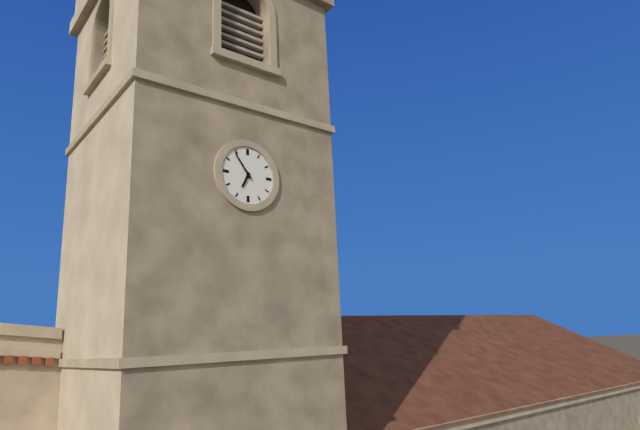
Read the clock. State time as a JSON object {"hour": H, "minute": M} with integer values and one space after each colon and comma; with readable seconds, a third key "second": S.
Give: {"hour": 6, "minute": 54}
